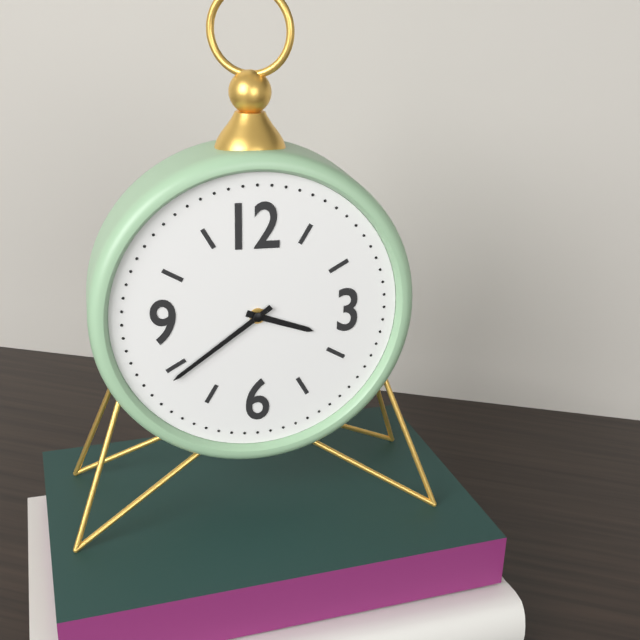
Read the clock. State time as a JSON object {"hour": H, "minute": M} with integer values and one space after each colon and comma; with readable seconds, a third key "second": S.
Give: {"hour": 3, "minute": 39}
